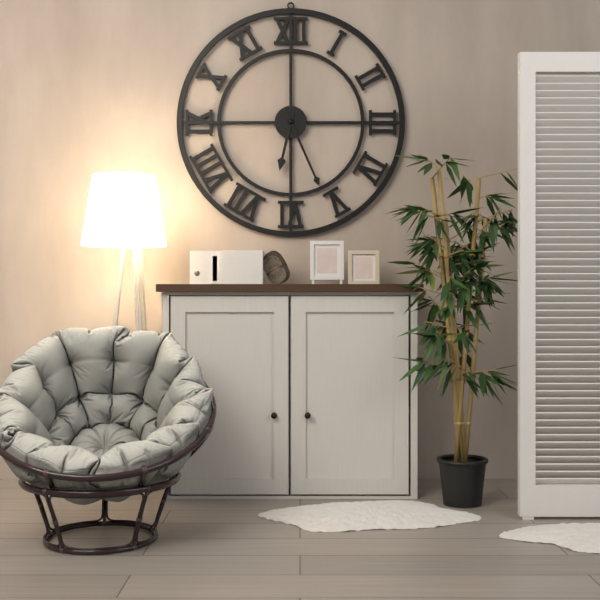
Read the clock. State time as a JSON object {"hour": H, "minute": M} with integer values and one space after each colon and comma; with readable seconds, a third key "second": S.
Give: {"hour": 6, "minute": 26}
